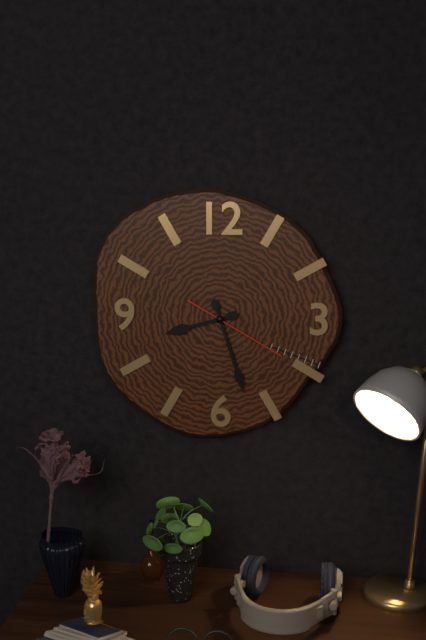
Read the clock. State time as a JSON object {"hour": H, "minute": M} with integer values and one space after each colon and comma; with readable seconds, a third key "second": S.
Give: {"hour": 8, "minute": 27, "second": 20}
